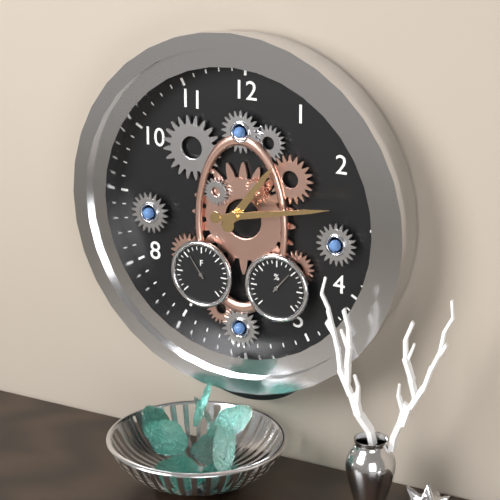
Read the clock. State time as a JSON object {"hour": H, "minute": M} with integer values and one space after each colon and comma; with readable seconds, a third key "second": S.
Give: {"hour": 1, "minute": 13}
